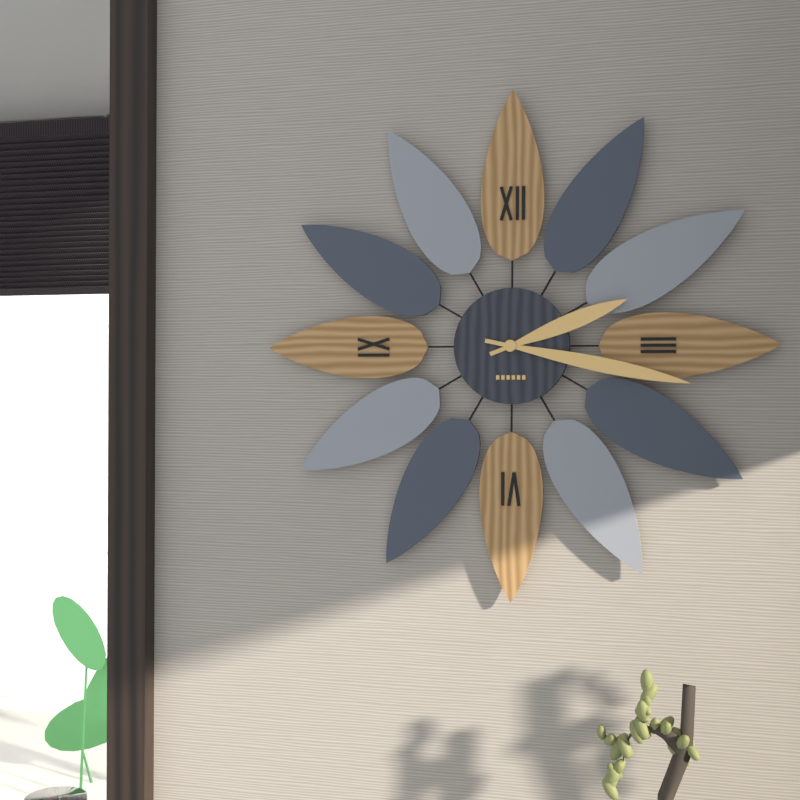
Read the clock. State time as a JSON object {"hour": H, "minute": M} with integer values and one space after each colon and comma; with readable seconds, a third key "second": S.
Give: {"hour": 2, "minute": 17}
